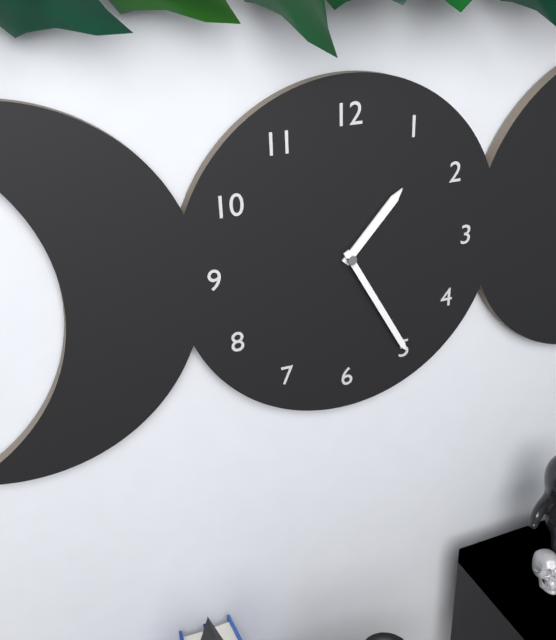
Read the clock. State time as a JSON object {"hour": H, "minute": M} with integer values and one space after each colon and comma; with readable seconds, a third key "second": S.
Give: {"hour": 1, "minute": 25}
